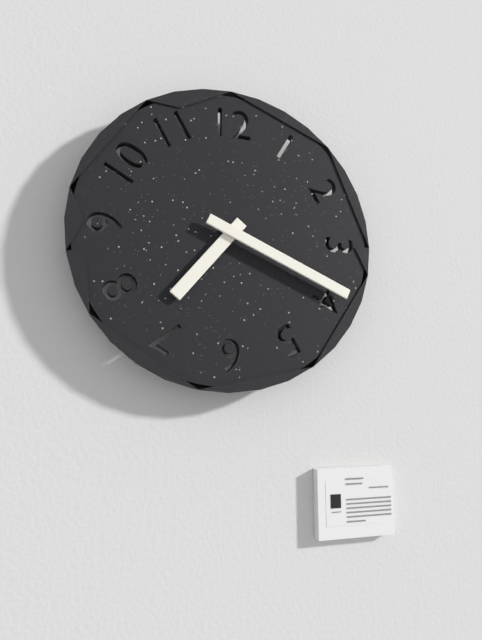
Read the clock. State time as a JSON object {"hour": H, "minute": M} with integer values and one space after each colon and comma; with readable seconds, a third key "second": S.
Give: {"hour": 7, "minute": 19}
